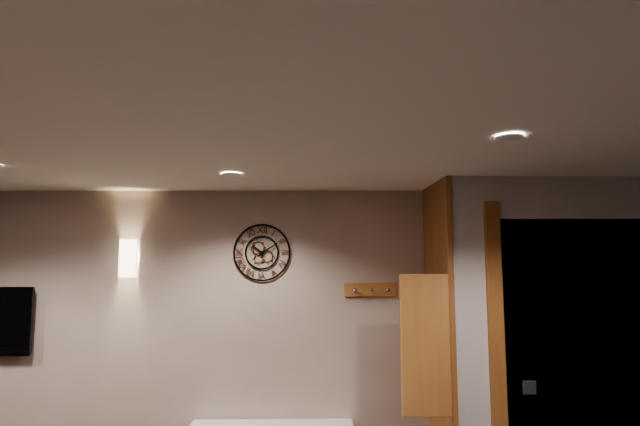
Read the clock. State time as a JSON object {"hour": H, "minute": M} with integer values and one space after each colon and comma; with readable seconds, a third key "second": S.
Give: {"hour": 10, "minute": 10}
